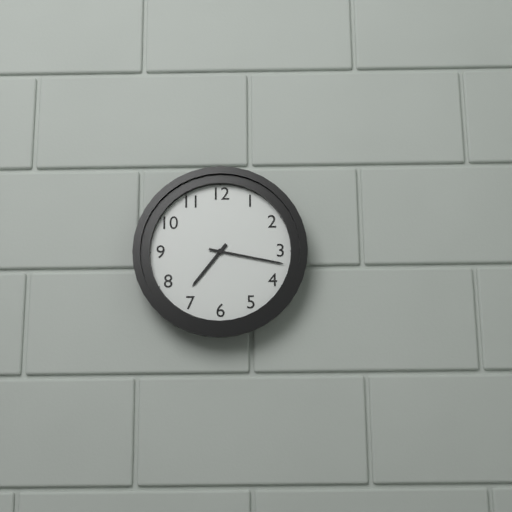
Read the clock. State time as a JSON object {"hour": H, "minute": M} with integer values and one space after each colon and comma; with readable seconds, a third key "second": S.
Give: {"hour": 7, "minute": 17}
